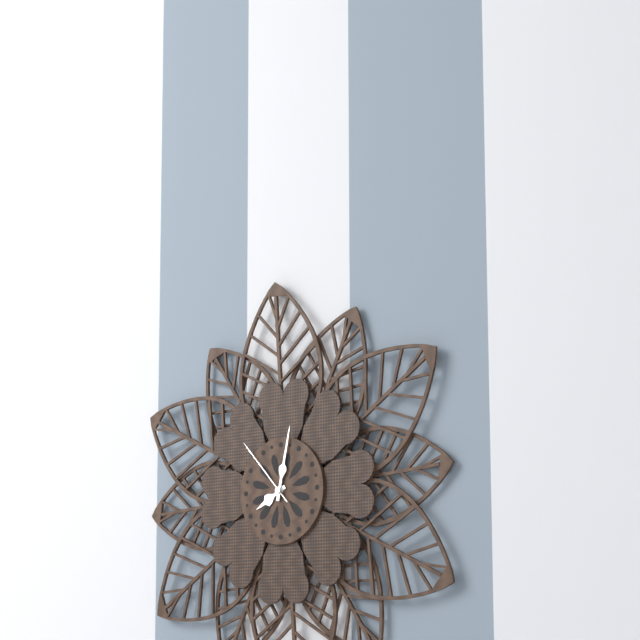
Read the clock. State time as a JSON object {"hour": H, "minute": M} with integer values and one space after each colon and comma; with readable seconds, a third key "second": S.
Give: {"hour": 8, "minute": 2, "second": 53}
